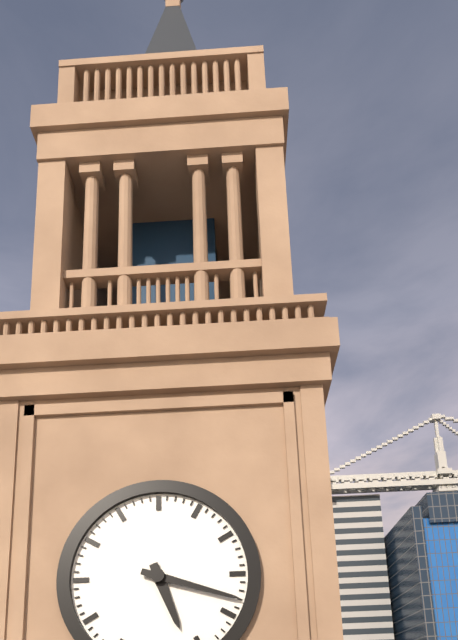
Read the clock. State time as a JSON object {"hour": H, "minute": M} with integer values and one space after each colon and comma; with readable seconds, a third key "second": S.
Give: {"hour": 5, "minute": 18}
